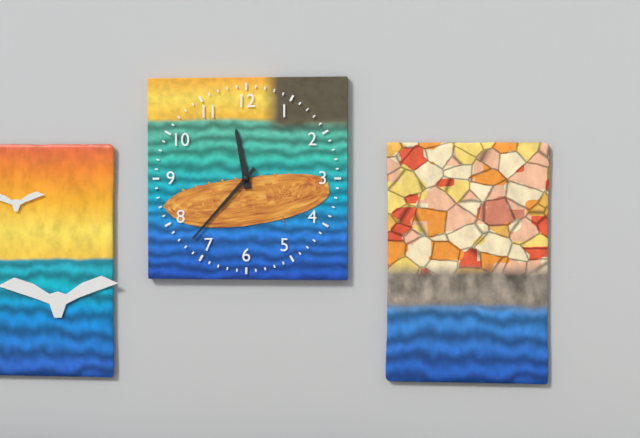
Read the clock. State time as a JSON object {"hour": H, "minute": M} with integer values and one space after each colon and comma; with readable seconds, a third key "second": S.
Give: {"hour": 11, "minute": 37}
